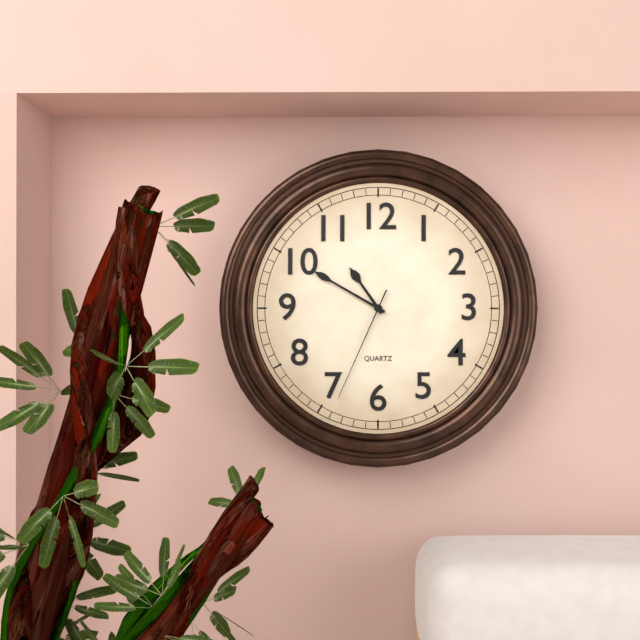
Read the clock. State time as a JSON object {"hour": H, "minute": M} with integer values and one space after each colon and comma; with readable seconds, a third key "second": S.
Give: {"hour": 10, "minute": 50, "second": 34}
